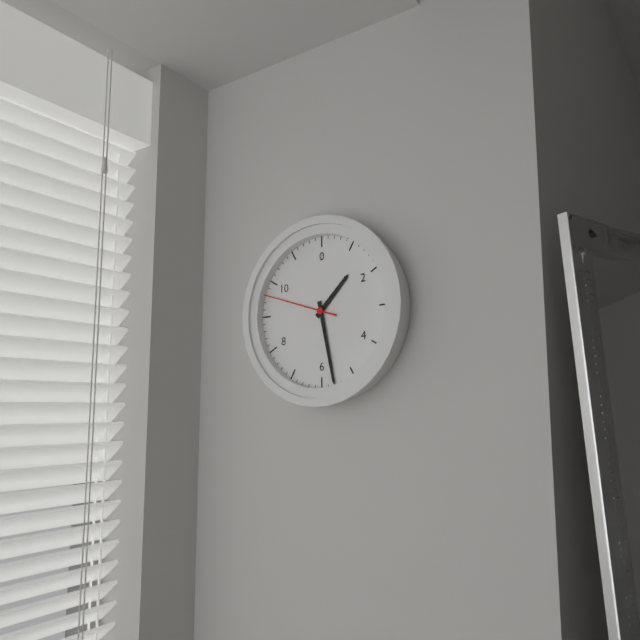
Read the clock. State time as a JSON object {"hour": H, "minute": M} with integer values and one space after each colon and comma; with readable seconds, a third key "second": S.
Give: {"hour": 1, "minute": 28, "second": 48}
